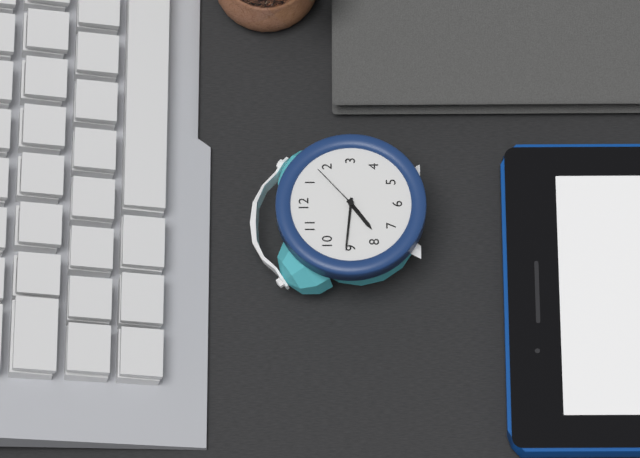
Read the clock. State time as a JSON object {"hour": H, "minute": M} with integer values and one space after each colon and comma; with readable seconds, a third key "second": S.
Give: {"hour": 7, "minute": 46, "second": 8}
